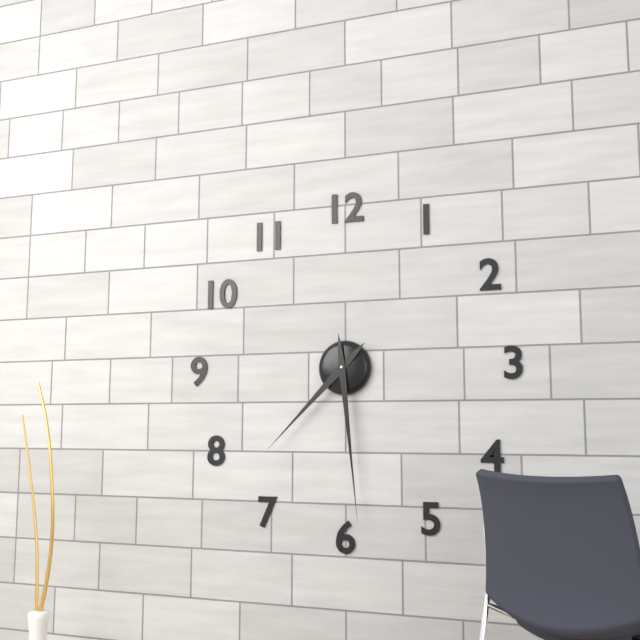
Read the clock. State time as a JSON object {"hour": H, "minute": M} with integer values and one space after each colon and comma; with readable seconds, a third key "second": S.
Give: {"hour": 7, "minute": 29}
